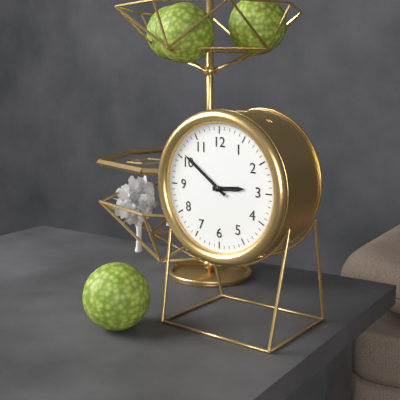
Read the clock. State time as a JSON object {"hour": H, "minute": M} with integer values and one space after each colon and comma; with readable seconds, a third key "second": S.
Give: {"hour": 2, "minute": 51}
